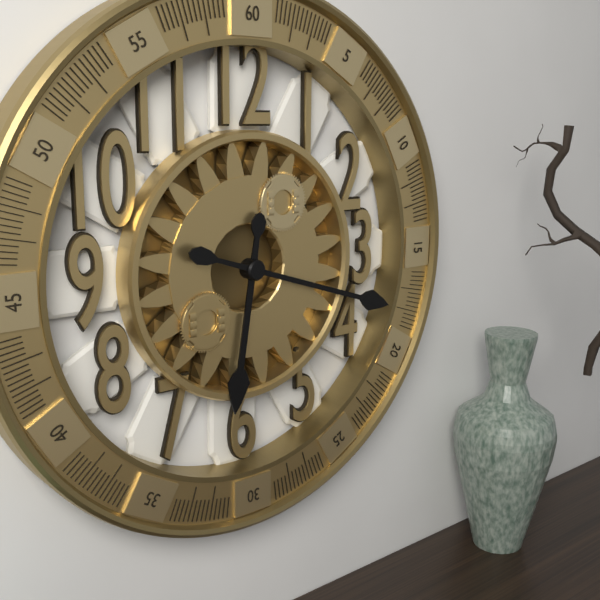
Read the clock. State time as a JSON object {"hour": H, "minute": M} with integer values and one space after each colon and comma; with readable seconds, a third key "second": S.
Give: {"hour": 6, "minute": 18}
